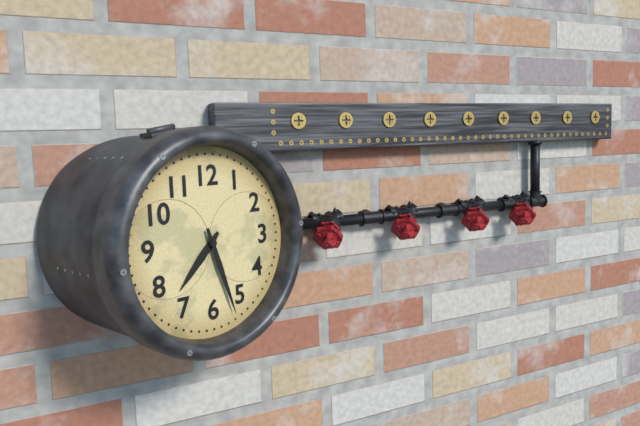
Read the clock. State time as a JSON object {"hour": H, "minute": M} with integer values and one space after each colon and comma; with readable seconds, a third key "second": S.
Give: {"hour": 7, "minute": 27}
